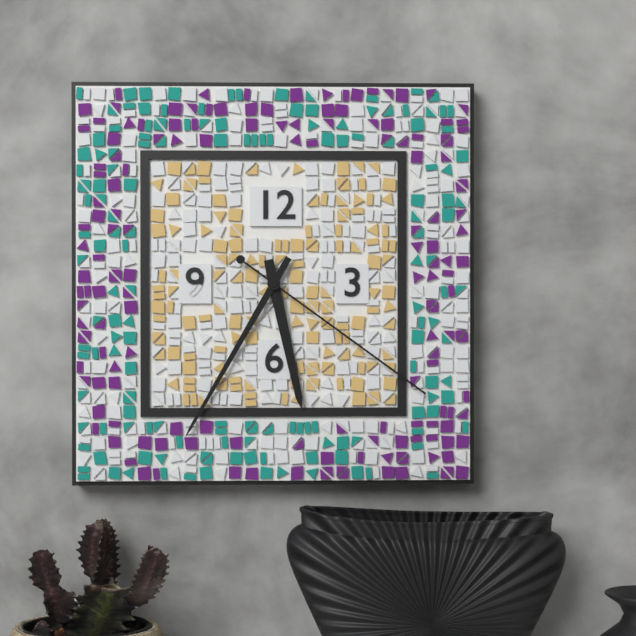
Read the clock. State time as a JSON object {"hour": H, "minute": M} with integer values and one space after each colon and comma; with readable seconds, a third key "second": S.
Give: {"hour": 5, "minute": 35, "second": 21}
